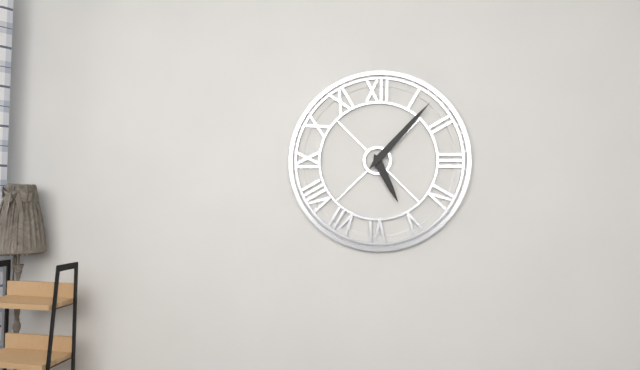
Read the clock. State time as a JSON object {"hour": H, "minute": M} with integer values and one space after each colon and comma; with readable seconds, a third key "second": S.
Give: {"hour": 5, "minute": 7}
